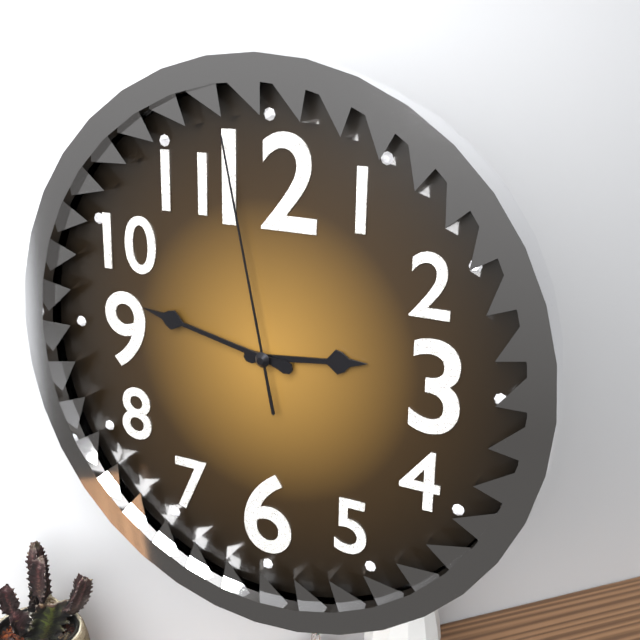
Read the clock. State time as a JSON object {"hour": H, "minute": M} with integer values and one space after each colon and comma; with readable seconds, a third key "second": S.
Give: {"hour": 2, "minute": 47, "second": 58}
